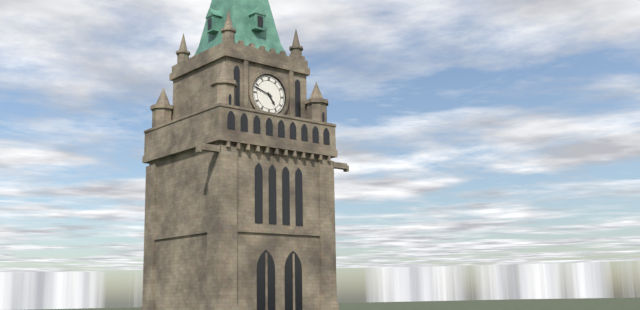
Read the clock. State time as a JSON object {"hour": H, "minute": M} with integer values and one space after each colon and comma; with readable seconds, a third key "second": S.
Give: {"hour": 4, "minute": 48}
